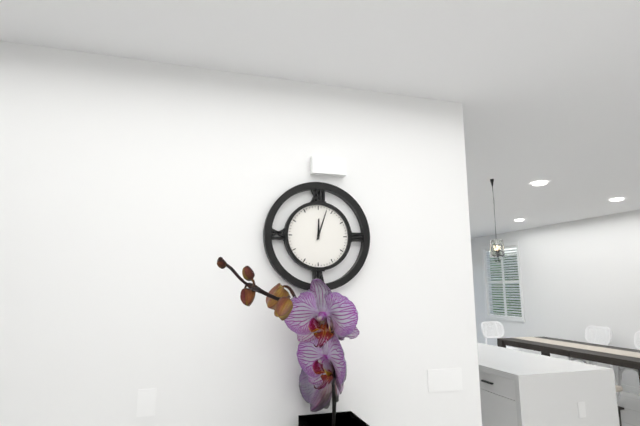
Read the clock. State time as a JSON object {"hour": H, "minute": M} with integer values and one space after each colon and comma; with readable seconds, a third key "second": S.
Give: {"hour": 12, "minute": 3}
